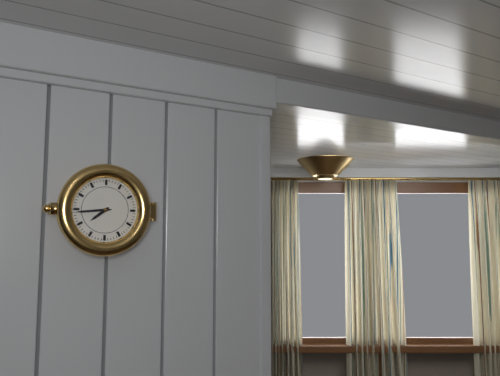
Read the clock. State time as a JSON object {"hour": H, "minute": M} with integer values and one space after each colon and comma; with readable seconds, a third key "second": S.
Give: {"hour": 7, "minute": 44}
